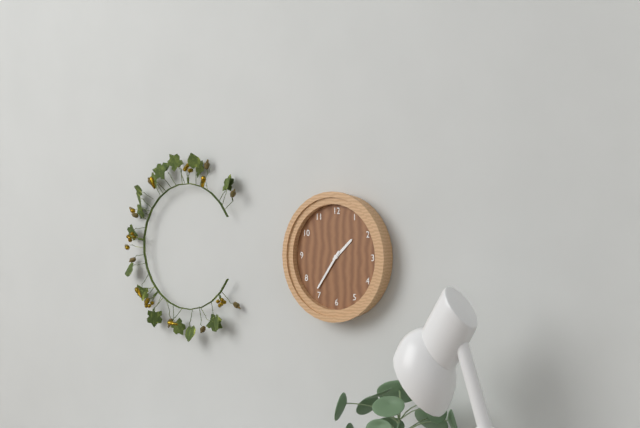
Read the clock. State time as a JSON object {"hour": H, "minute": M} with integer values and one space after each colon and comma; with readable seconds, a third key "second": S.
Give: {"hour": 1, "minute": 36}
